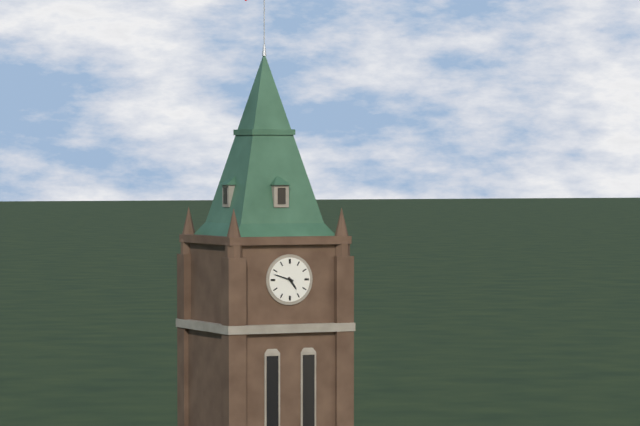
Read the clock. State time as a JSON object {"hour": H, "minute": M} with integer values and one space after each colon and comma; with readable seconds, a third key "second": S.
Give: {"hour": 4, "minute": 48}
